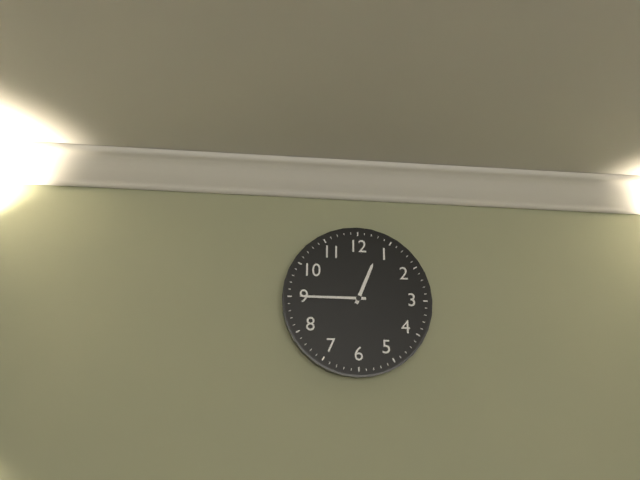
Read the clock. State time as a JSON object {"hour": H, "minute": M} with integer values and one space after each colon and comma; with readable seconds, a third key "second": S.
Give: {"hour": 12, "minute": 45}
